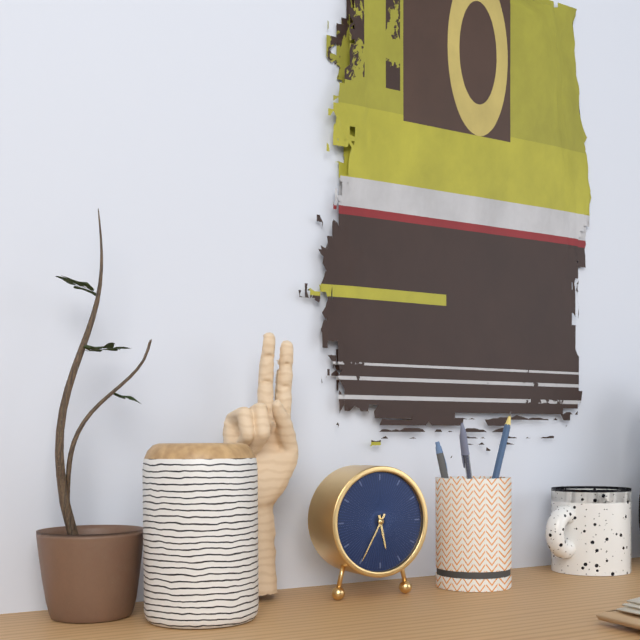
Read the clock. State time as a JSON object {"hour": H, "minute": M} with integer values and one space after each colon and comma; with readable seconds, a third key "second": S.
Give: {"hour": 5, "minute": 35}
